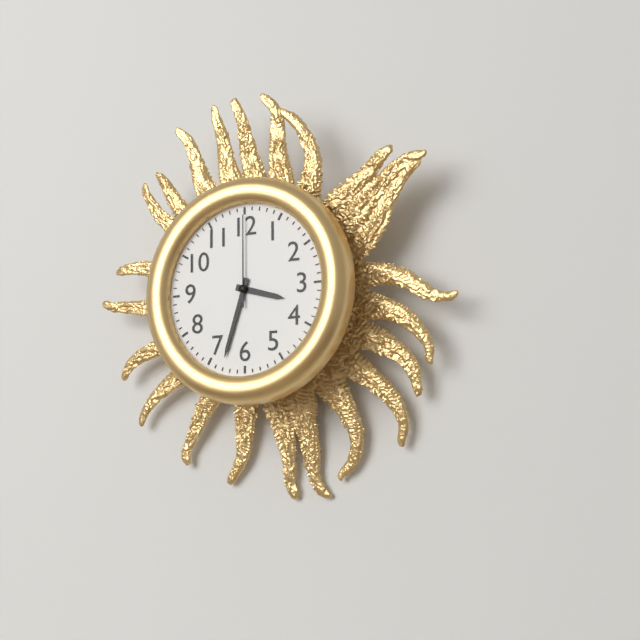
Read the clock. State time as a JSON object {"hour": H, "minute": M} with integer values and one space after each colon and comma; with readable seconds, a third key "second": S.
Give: {"hour": 3, "minute": 33, "second": 0}
